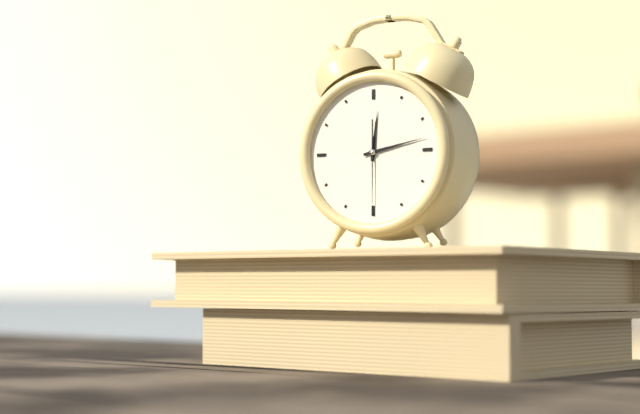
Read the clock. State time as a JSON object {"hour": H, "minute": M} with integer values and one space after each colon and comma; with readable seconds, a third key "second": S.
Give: {"hour": 12, "minute": 13, "second": 30}
